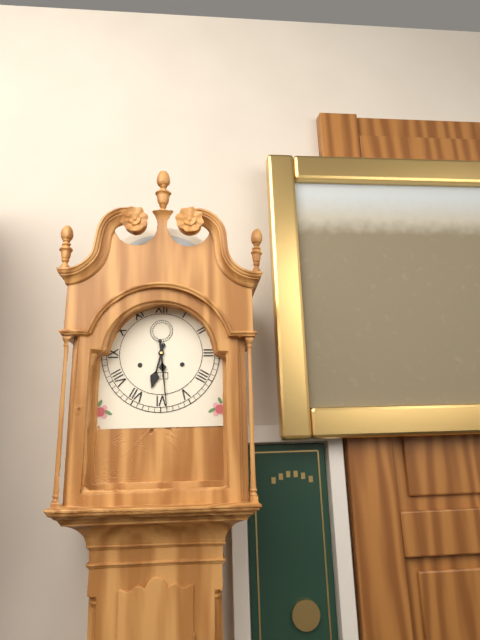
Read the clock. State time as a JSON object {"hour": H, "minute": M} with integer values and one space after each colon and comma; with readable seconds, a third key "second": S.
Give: {"hour": 6, "minute": 29}
